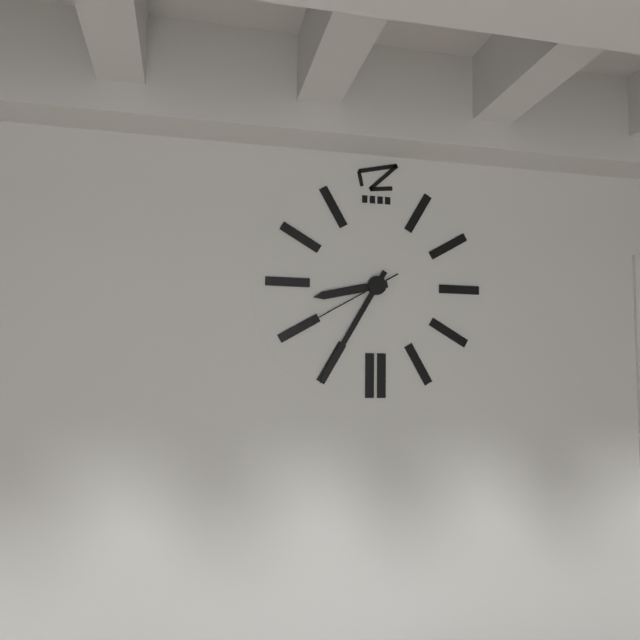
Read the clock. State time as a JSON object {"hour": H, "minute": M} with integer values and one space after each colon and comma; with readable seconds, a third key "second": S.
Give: {"hour": 8, "minute": 35, "second": 40}
